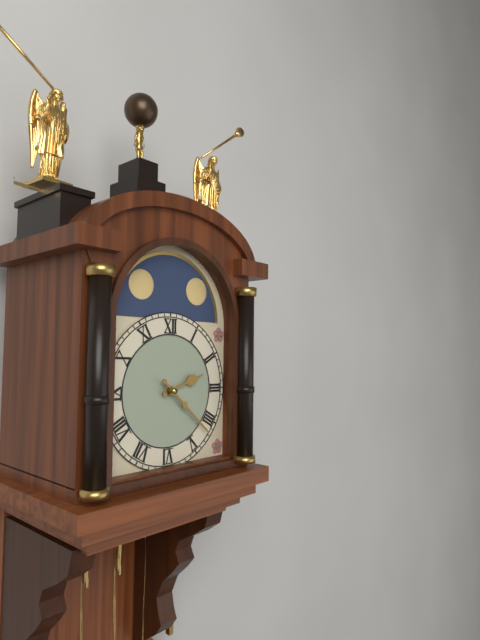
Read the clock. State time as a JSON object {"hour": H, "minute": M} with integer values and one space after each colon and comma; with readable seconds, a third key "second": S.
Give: {"hour": 2, "minute": 22}
